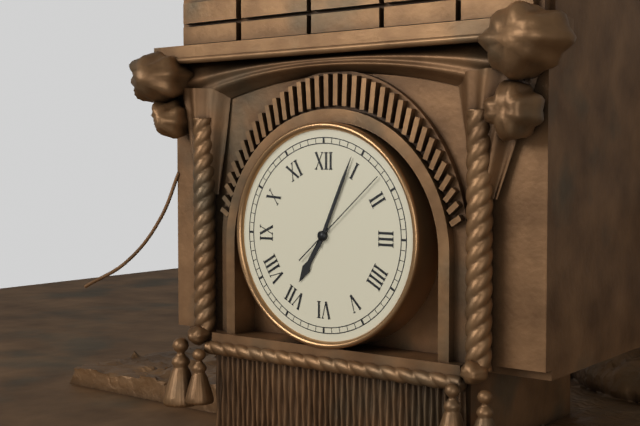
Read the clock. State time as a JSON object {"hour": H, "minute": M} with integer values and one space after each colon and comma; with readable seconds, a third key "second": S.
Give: {"hour": 7, "minute": 4, "second": 8}
